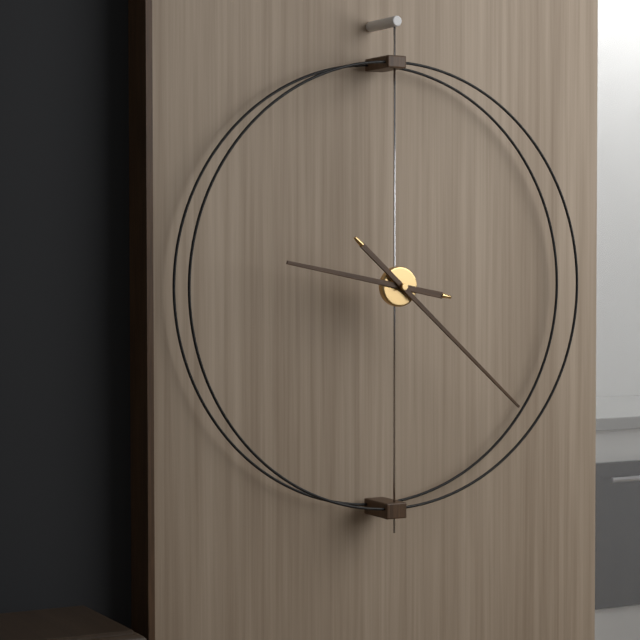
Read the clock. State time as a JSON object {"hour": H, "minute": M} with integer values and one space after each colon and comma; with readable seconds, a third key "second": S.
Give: {"hour": 9, "minute": 22}
